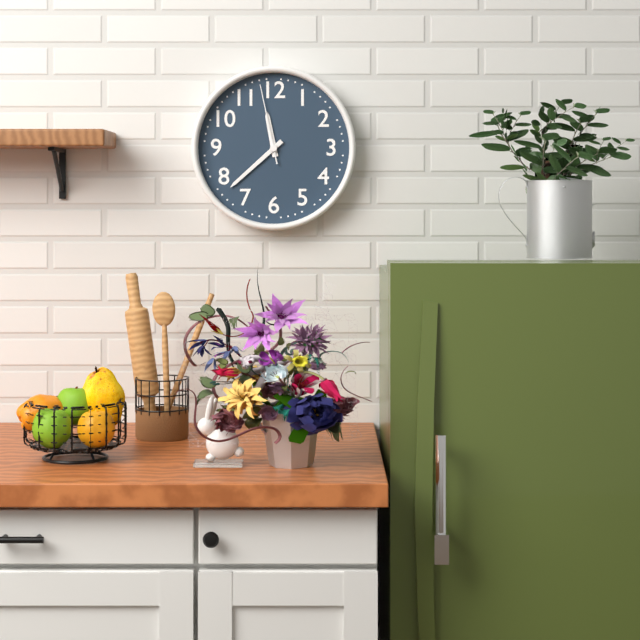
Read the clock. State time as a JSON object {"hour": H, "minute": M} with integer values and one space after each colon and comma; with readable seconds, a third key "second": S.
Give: {"hour": 11, "minute": 38, "second": 58}
